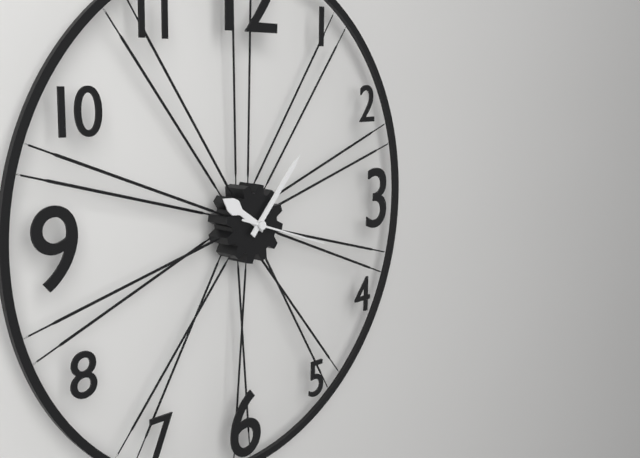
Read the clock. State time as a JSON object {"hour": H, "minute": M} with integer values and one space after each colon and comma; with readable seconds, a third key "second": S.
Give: {"hour": 10, "minute": 7, "second": 18}
